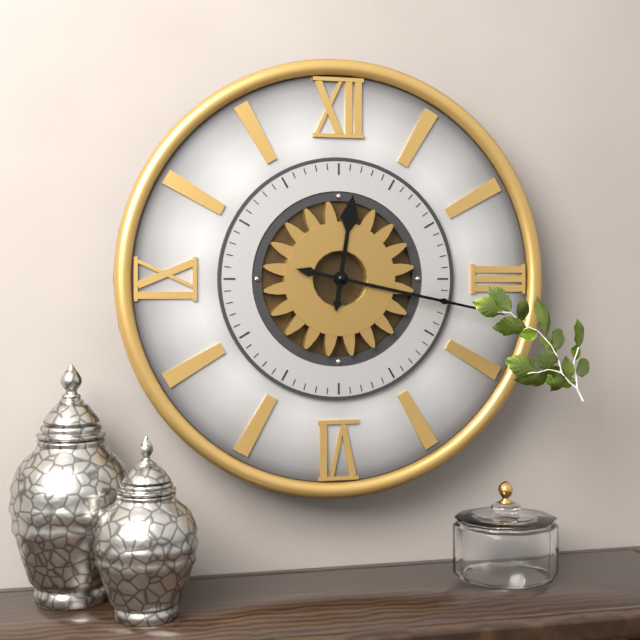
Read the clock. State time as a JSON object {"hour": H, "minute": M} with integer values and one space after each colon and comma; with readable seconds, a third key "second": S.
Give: {"hour": 12, "minute": 17}
